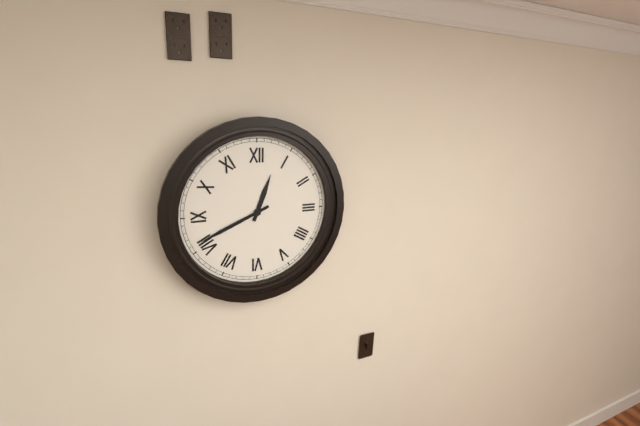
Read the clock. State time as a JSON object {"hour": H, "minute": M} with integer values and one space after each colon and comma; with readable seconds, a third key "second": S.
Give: {"hour": 12, "minute": 41}
